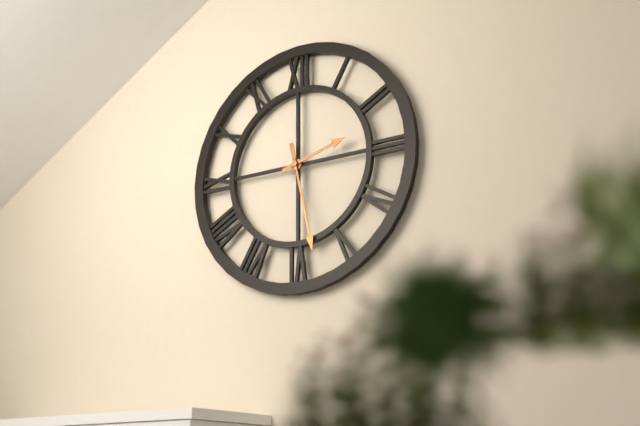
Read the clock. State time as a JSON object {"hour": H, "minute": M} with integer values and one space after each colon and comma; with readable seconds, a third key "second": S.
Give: {"hour": 2, "minute": 28}
